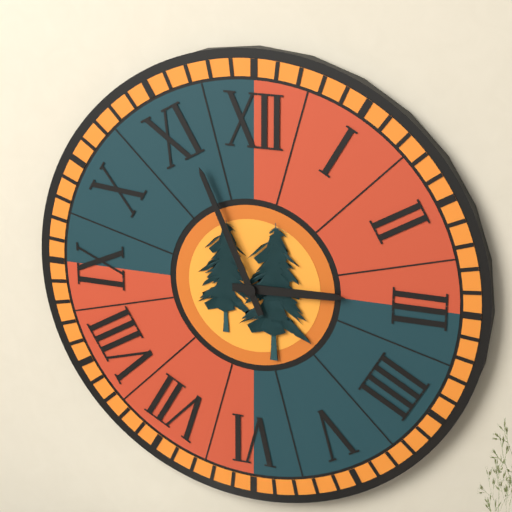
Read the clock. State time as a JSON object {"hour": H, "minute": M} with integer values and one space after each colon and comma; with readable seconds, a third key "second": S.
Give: {"hour": 2, "minute": 56}
